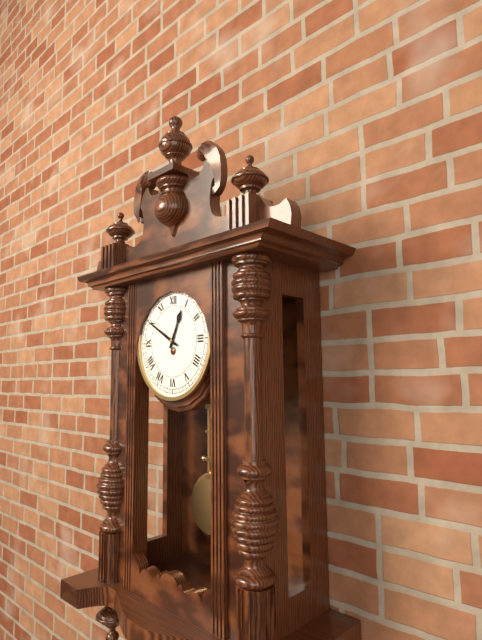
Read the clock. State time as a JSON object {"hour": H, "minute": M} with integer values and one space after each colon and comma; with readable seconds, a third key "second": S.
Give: {"hour": 12, "minute": 50}
